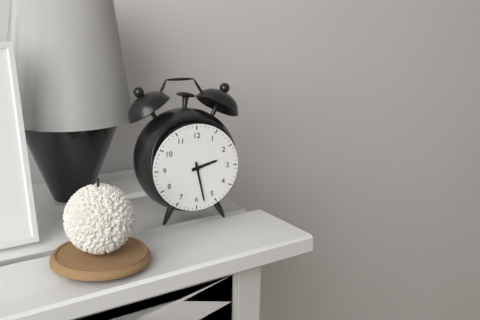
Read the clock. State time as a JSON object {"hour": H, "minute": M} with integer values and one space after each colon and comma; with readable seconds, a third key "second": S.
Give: {"hour": 2, "minute": 28}
